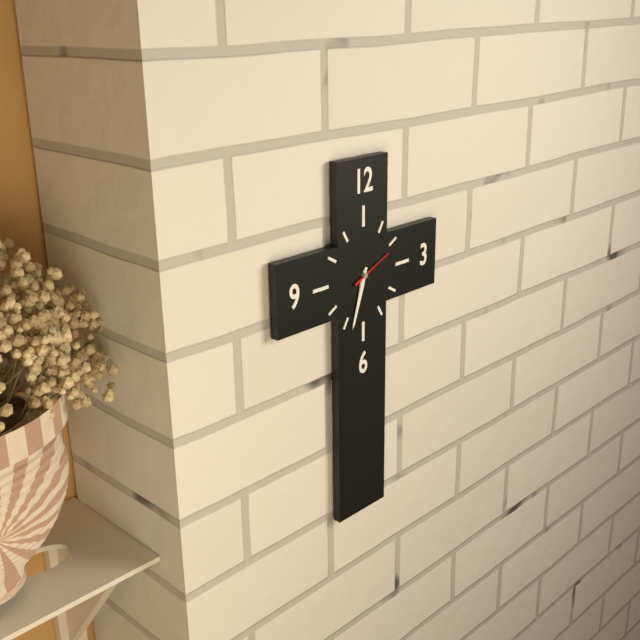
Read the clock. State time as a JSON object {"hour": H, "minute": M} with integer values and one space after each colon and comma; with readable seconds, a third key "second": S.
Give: {"hour": 6, "minute": 33}
